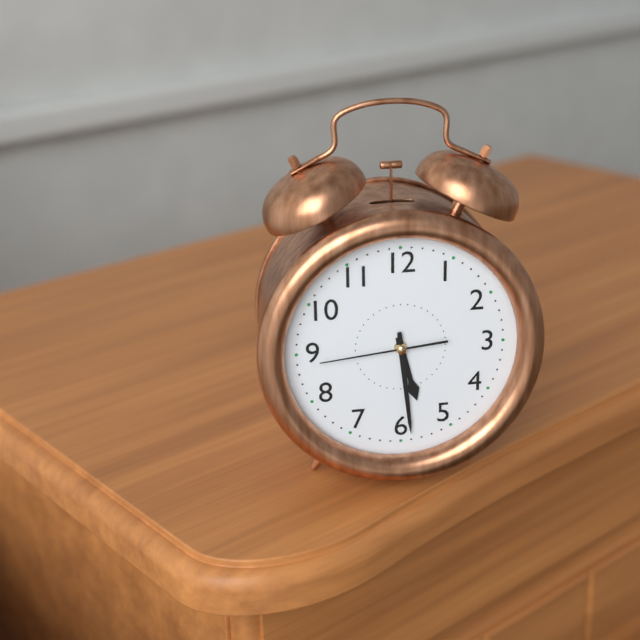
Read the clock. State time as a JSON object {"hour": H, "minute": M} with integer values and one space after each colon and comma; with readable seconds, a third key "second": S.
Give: {"hour": 5, "minute": 29, "second": 44}
